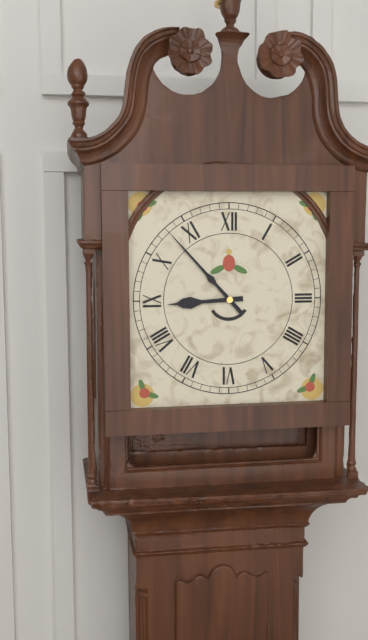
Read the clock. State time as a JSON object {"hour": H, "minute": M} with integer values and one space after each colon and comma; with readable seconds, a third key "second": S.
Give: {"hour": 8, "minute": 53}
